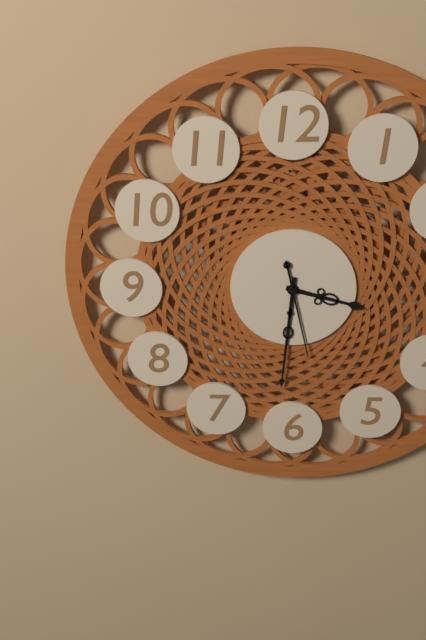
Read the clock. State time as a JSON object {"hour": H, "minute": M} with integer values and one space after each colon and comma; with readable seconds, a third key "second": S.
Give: {"hour": 3, "minute": 31, "second": 28}
